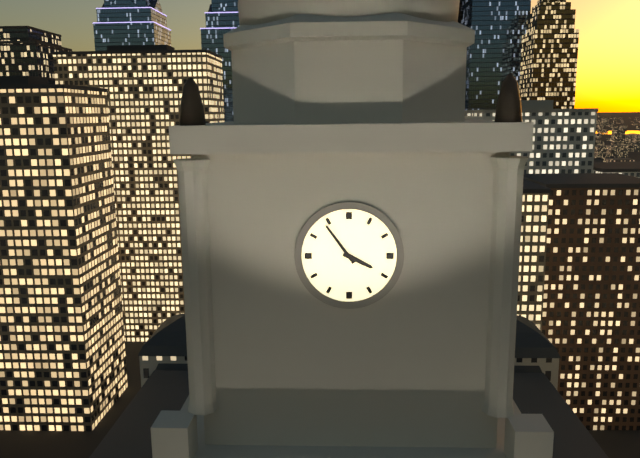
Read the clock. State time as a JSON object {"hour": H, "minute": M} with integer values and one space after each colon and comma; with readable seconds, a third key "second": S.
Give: {"hour": 3, "minute": 54}
